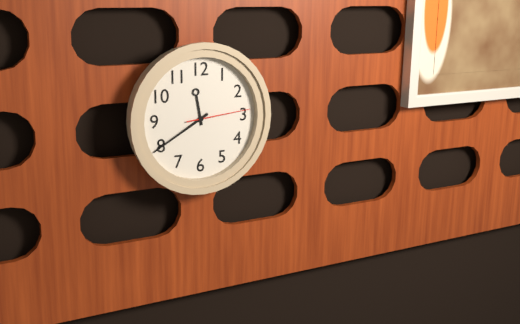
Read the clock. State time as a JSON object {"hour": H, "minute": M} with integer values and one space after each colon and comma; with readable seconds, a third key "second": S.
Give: {"hour": 11, "minute": 40, "second": 14}
